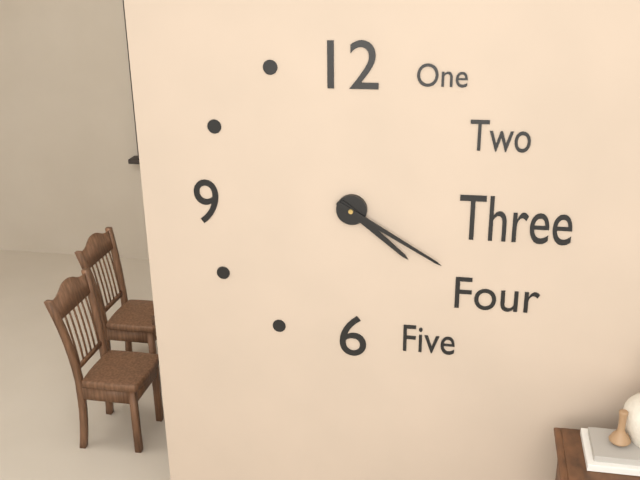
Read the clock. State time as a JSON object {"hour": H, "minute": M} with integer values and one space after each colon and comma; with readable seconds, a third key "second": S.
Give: {"hour": 4, "minute": 20}
